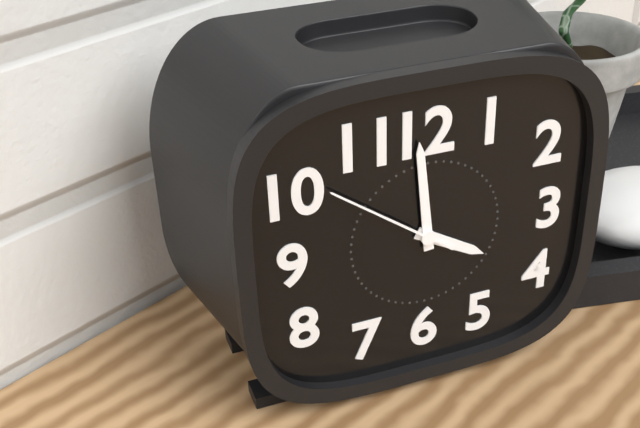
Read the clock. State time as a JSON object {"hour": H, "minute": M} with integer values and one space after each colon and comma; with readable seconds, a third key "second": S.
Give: {"hour": 3, "minute": 59, "second": 51}
